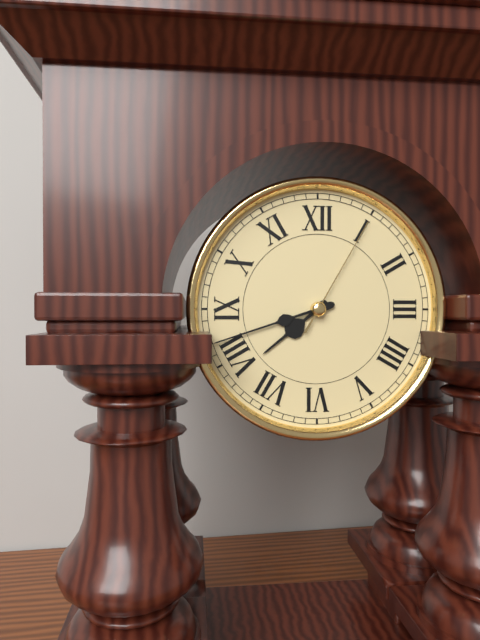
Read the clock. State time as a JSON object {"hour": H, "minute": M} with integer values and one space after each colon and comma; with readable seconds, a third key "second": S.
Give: {"hour": 7, "minute": 42, "second": 5}
